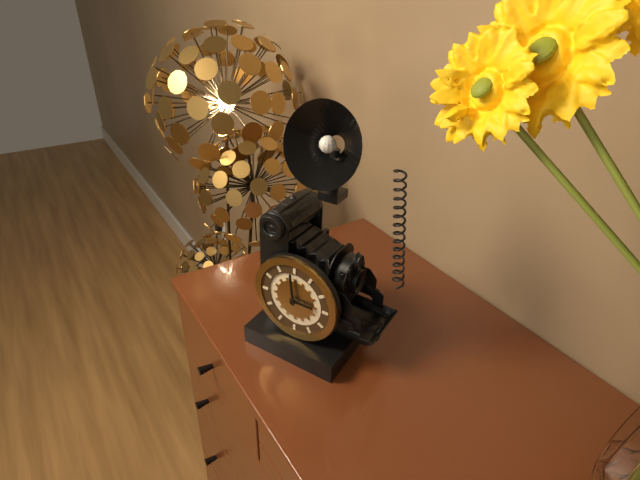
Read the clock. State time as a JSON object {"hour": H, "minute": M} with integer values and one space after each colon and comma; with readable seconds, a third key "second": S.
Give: {"hour": 2, "minute": 59}
